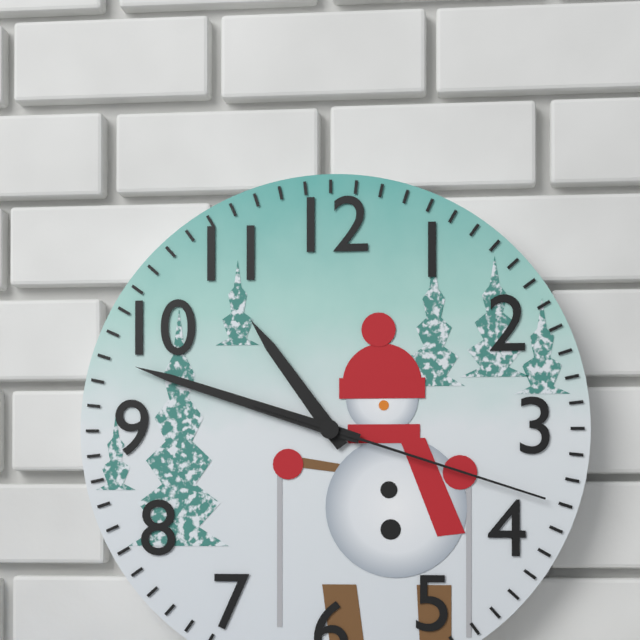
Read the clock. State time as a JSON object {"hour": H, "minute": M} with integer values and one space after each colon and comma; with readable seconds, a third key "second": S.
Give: {"hour": 10, "minute": 48, "second": 18}
